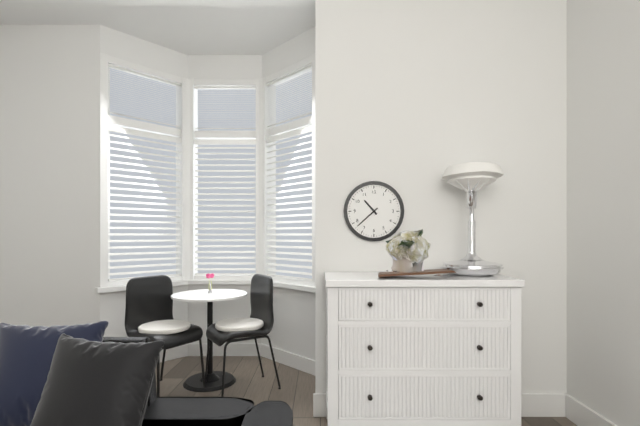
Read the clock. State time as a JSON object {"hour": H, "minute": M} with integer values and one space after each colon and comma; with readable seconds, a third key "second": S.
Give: {"hour": 10, "minute": 38}
